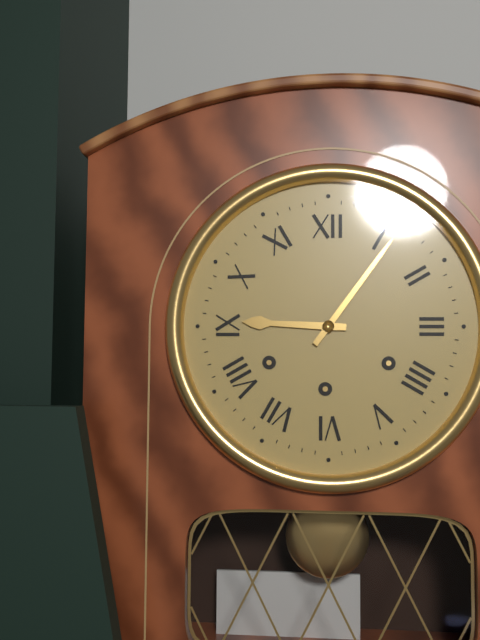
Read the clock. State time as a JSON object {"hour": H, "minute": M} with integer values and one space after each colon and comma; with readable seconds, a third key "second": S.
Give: {"hour": 9, "minute": 6}
